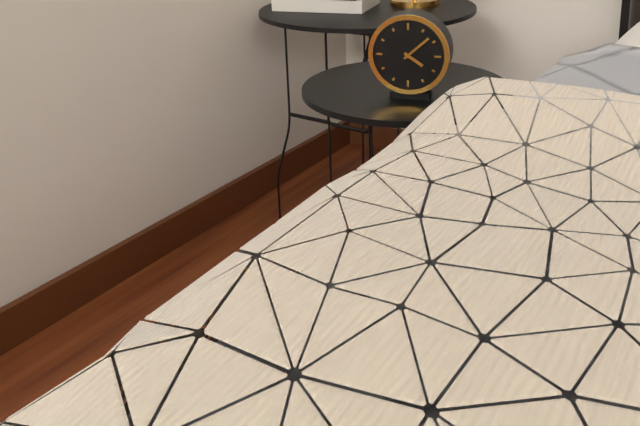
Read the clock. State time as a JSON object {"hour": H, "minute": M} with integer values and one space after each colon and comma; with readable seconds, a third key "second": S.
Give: {"hour": 4, "minute": 8}
